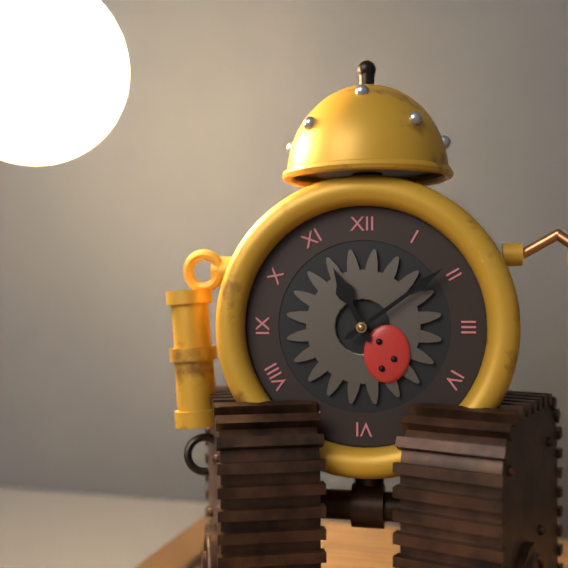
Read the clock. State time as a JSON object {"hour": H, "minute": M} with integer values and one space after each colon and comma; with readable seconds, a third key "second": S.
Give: {"hour": 11, "minute": 9}
